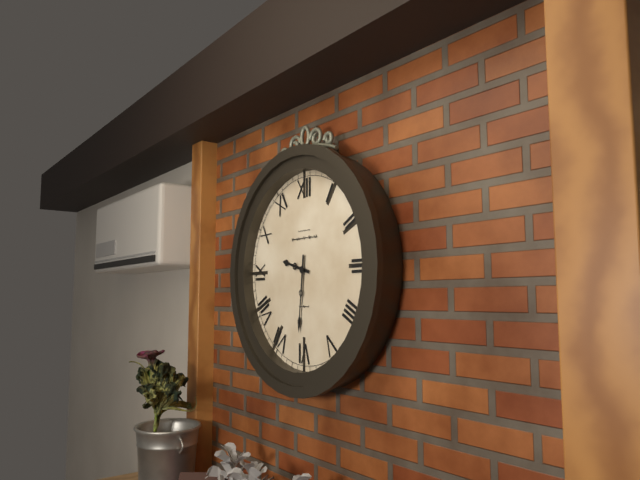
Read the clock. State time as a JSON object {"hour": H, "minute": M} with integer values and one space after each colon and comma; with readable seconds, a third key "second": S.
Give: {"hour": 9, "minute": 31}
